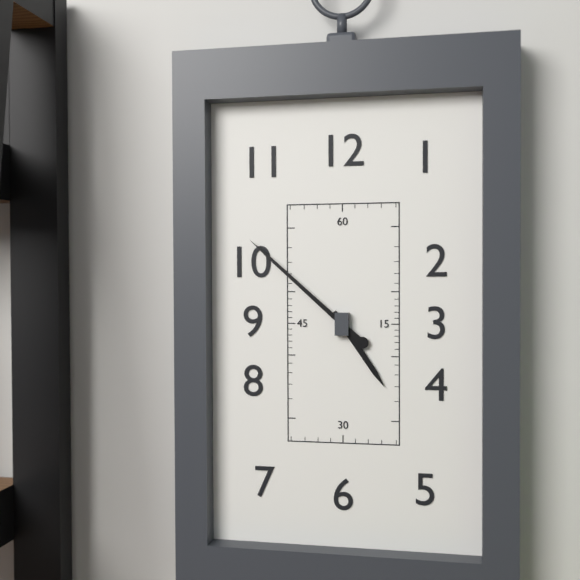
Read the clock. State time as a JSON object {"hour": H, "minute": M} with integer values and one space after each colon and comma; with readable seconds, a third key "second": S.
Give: {"hour": 4, "minute": 52}
